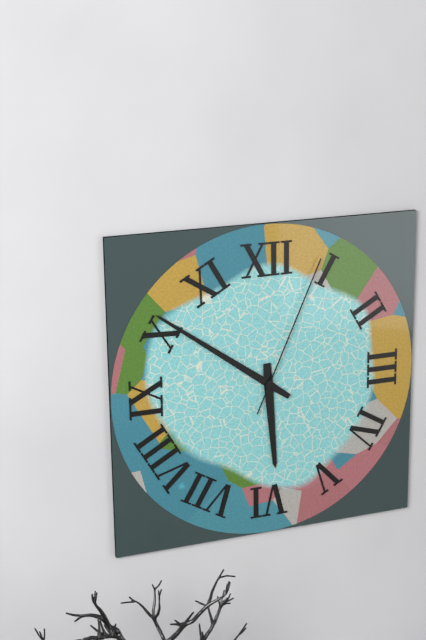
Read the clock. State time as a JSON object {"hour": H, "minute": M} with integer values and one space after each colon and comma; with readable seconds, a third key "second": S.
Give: {"hour": 5, "minute": 51, "second": 4}
